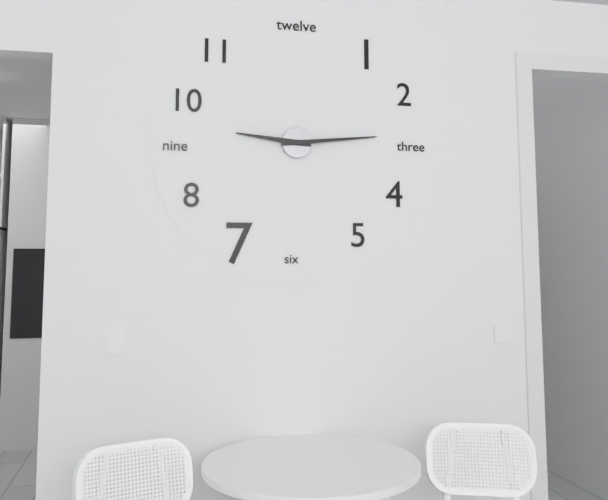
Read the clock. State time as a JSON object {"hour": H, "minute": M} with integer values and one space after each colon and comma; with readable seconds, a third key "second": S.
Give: {"hour": 9, "minute": 14}
